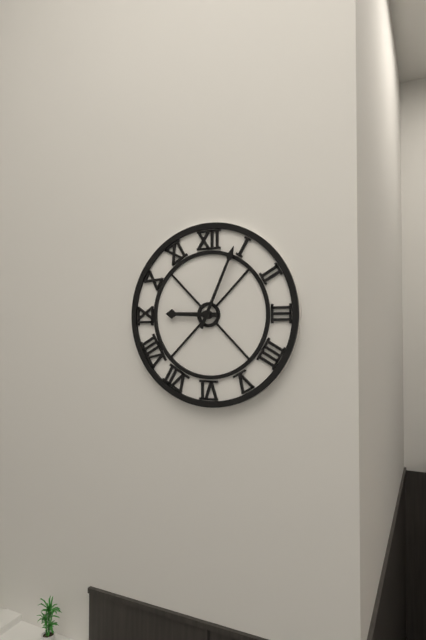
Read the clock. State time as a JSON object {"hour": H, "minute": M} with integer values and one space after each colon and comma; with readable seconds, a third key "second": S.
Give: {"hour": 9, "minute": 4}
